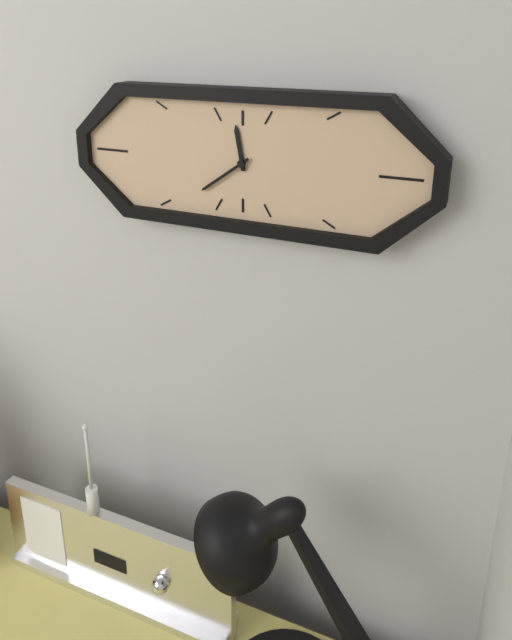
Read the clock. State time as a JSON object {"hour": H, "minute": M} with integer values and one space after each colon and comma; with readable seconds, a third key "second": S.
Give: {"hour": 11, "minute": 39}
